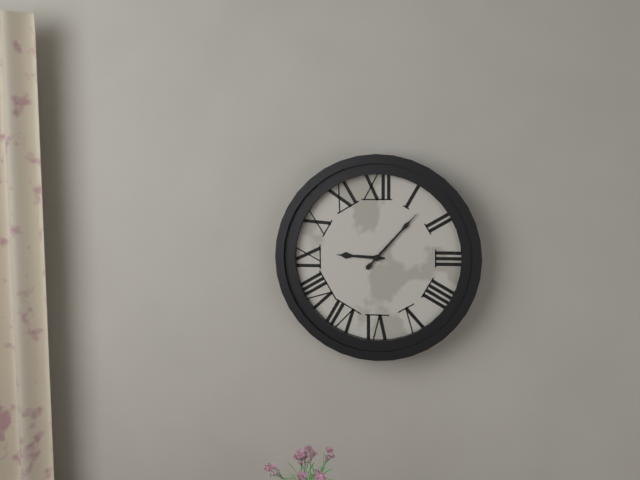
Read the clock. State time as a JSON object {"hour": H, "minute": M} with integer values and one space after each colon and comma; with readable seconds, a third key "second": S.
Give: {"hour": 9, "minute": 7}
